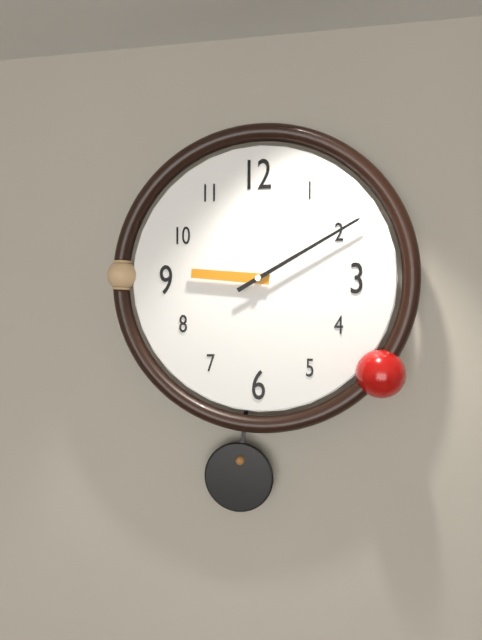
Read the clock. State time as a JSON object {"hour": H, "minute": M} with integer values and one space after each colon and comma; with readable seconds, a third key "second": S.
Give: {"hour": 9, "minute": 10}
